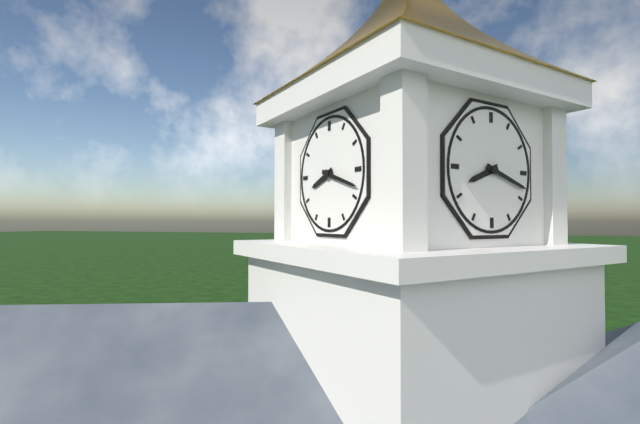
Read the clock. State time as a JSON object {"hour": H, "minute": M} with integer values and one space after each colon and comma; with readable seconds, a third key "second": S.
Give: {"hour": 8, "minute": 18}
